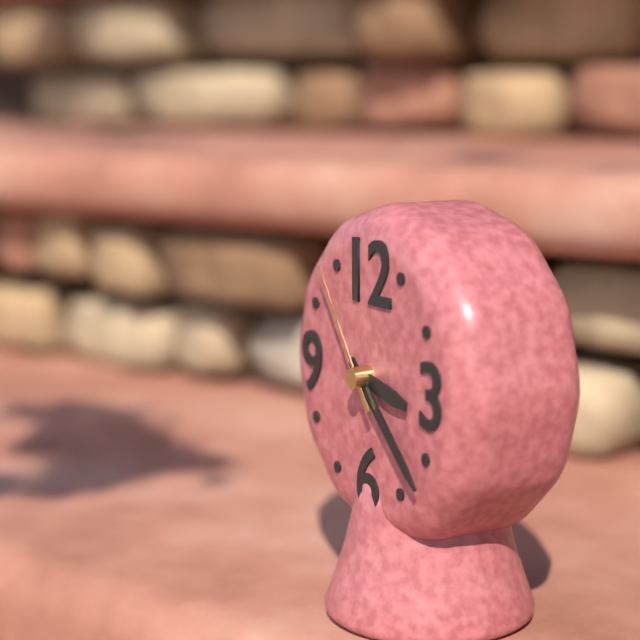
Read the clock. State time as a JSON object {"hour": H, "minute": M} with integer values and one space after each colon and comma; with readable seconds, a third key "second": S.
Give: {"hour": 3, "minute": 22, "second": 54}
